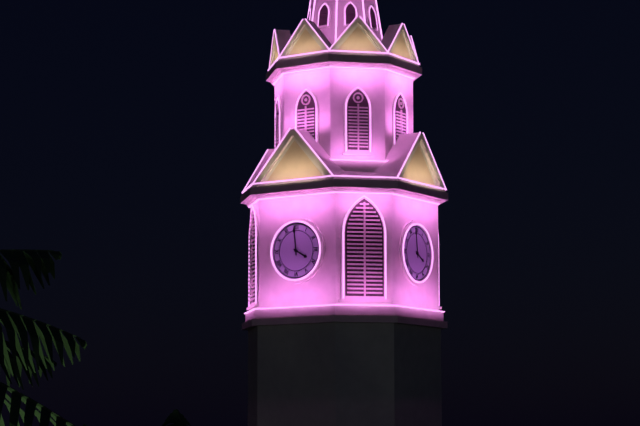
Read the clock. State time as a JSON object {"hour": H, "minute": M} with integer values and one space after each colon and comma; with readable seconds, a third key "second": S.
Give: {"hour": 3, "minute": 59}
